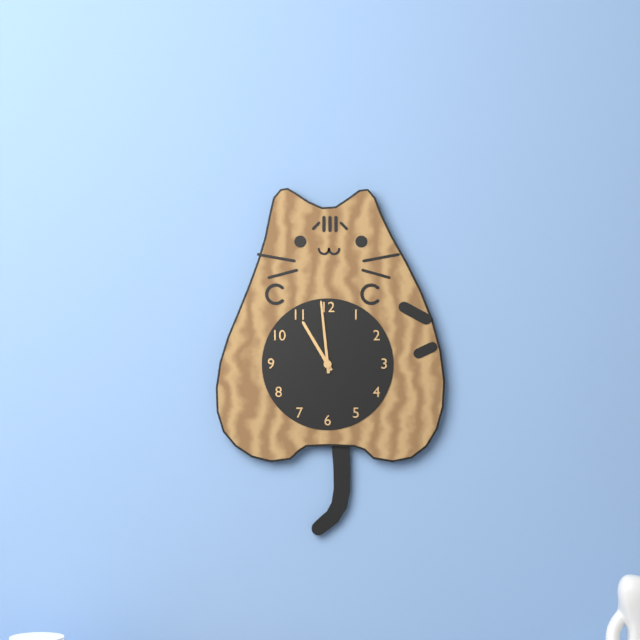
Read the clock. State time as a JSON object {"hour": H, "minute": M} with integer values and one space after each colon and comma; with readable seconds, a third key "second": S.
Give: {"hour": 10, "minute": 59}
